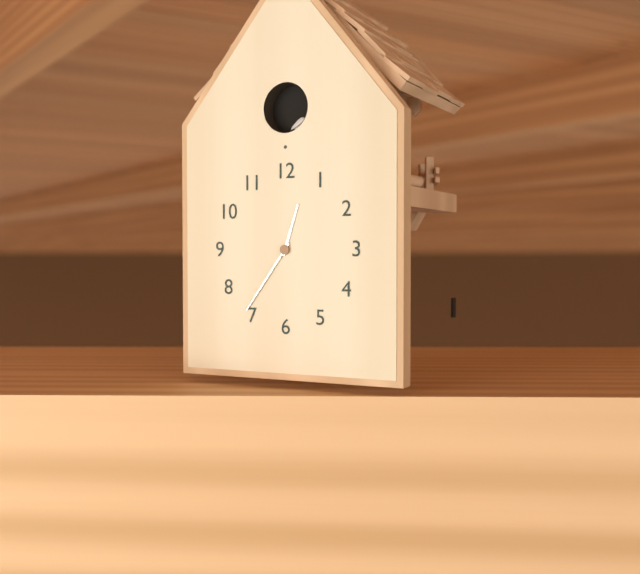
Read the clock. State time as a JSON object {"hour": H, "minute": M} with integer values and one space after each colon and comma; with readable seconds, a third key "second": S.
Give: {"hour": 12, "minute": 36}
